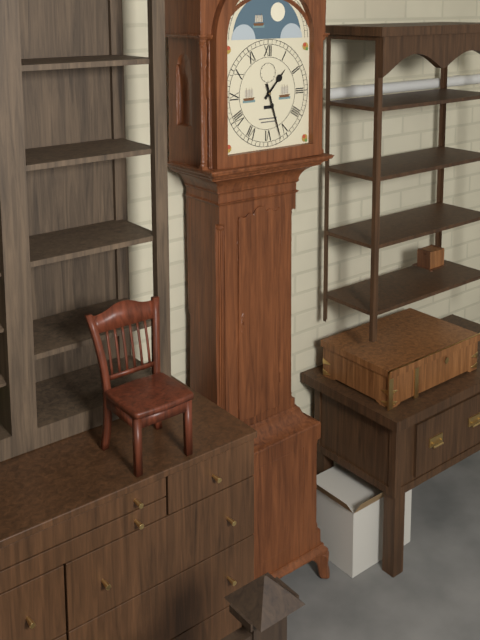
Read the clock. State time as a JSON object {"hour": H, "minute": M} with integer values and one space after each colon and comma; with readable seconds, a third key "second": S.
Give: {"hour": 1, "minute": 27}
